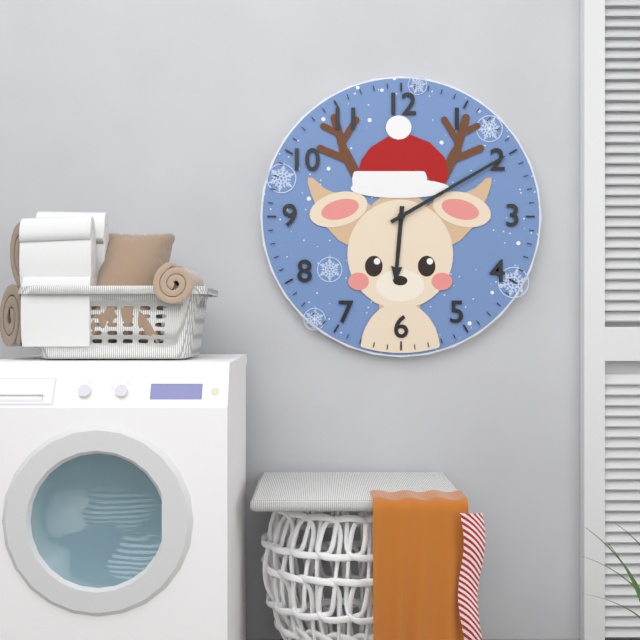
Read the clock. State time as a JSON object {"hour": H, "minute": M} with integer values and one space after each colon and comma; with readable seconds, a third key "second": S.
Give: {"hour": 6, "minute": 10}
